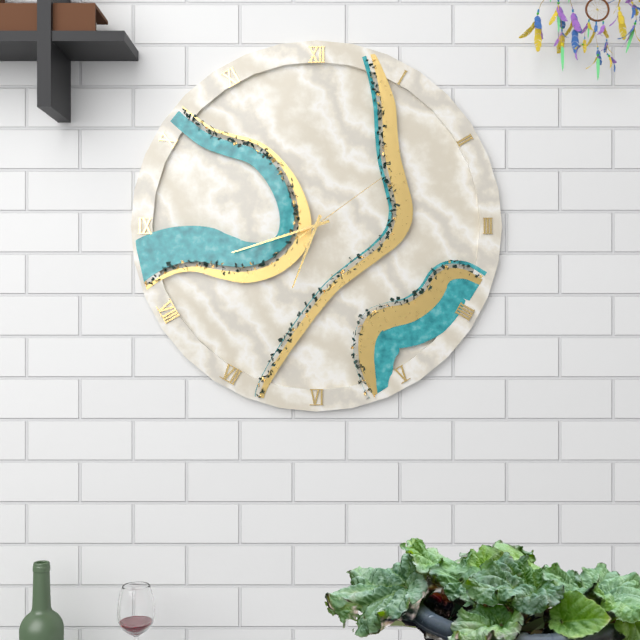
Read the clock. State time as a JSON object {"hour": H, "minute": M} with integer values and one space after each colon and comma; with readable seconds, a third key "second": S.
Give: {"hour": 6, "minute": 42, "second": 9}
